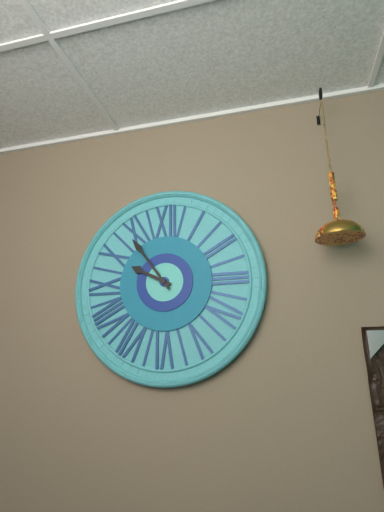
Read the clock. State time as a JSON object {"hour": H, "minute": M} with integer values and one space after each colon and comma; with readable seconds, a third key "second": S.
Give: {"hour": 9, "minute": 54}
